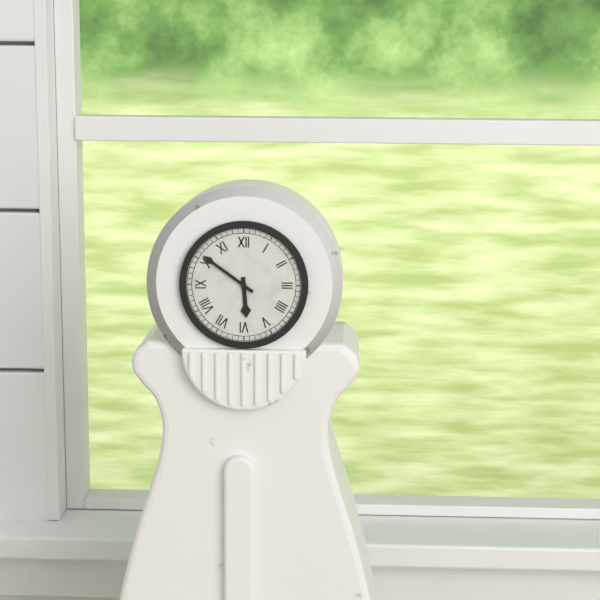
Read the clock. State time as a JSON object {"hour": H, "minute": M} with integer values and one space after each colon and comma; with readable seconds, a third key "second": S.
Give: {"hour": 5, "minute": 51}
